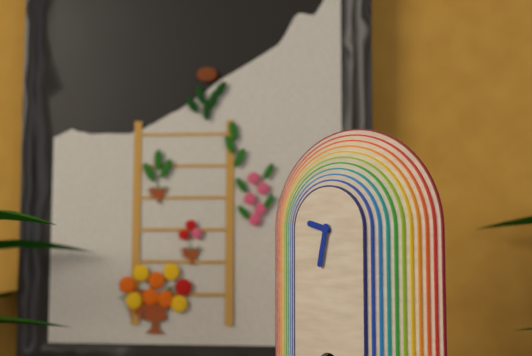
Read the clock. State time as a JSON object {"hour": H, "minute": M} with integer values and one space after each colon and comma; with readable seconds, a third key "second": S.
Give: {"hour": 9, "minute": 32}
